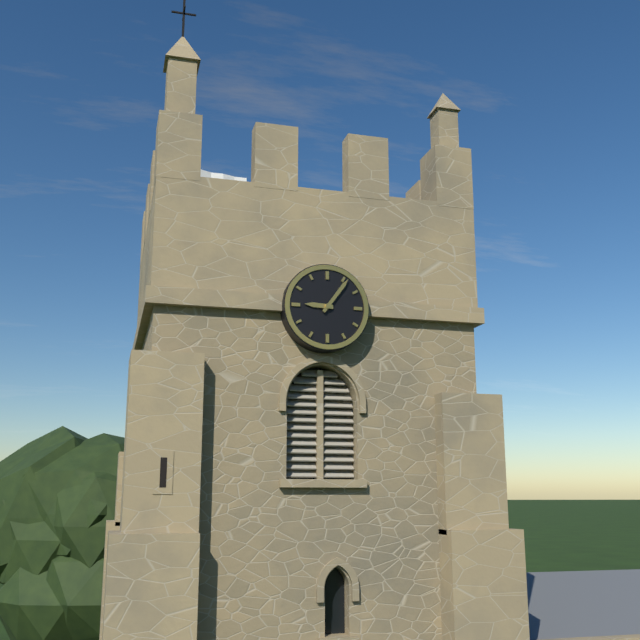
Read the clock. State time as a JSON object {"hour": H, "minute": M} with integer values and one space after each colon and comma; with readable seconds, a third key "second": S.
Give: {"hour": 9, "minute": 6}
